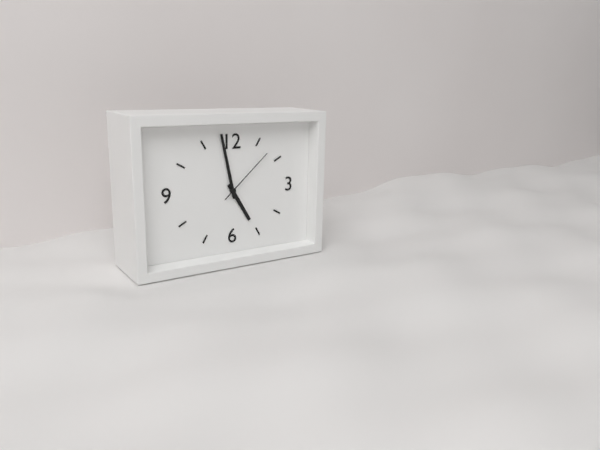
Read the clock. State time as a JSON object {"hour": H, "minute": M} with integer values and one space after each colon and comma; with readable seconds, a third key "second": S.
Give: {"hour": 4, "minute": 58, "second": 8}
